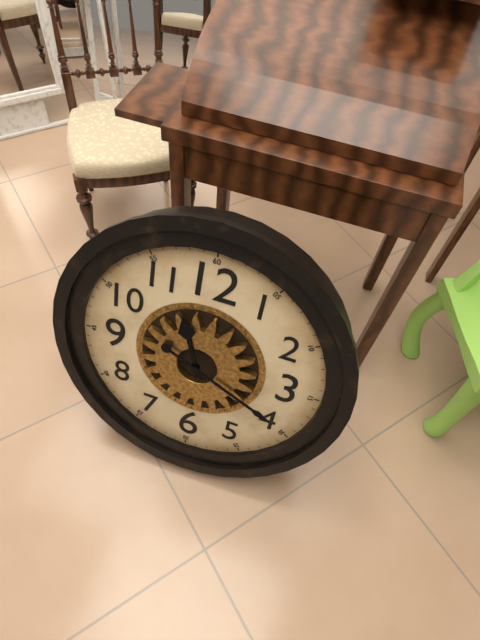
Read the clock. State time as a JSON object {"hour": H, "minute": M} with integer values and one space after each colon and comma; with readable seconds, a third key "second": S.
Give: {"hour": 11, "minute": 19}
